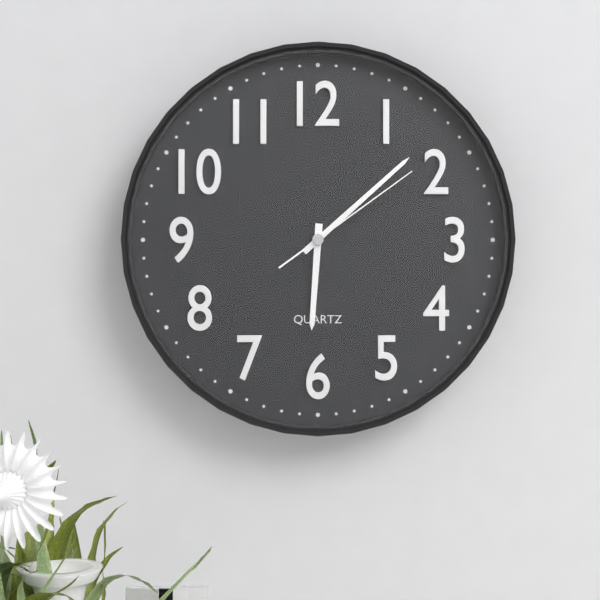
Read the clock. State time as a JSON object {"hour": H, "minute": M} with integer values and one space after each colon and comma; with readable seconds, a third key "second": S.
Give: {"hour": 6, "minute": 8, "second": 9}
